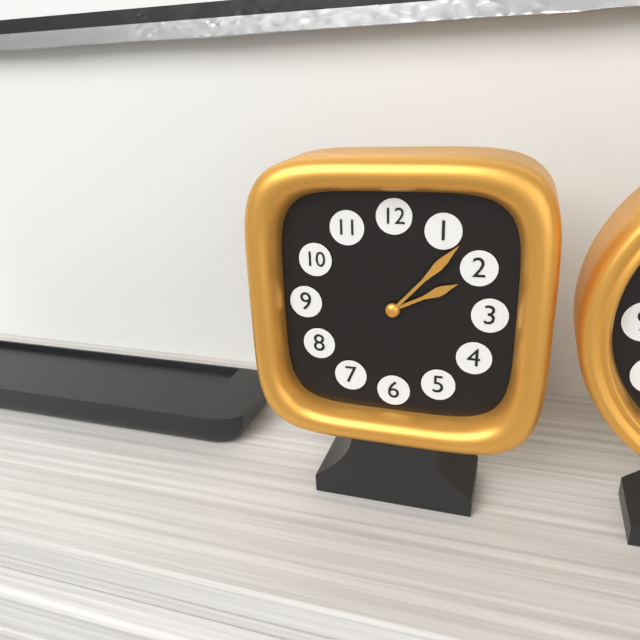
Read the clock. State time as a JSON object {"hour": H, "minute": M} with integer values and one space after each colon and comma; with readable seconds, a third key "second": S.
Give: {"hour": 2, "minute": 7}
